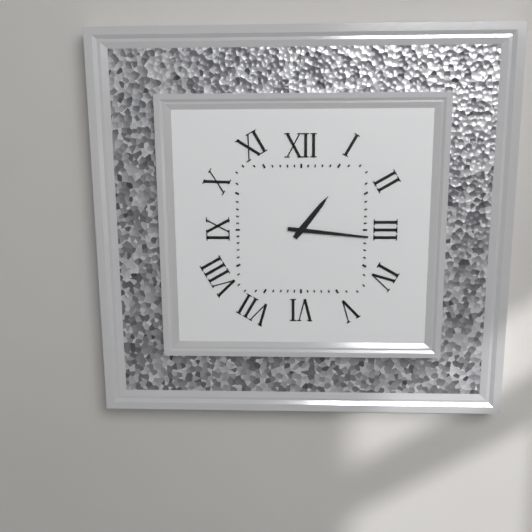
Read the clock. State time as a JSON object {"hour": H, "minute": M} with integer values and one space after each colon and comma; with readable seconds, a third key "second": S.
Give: {"hour": 1, "minute": 16}
